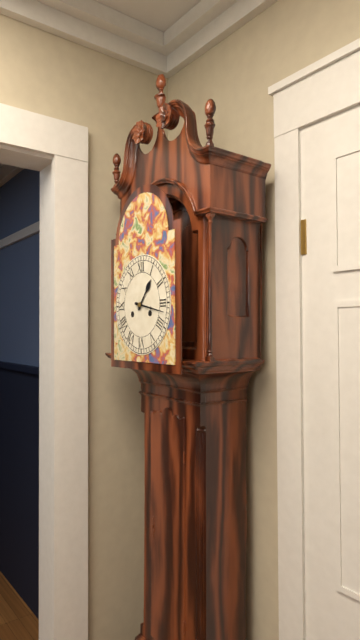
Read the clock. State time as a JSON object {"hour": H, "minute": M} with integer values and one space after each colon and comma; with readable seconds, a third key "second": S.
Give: {"hour": 1, "minute": 17}
